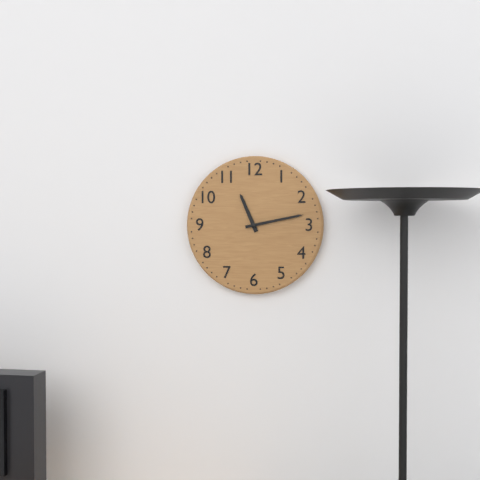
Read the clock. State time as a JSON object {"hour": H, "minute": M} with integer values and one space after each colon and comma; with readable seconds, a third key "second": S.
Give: {"hour": 11, "minute": 13}
